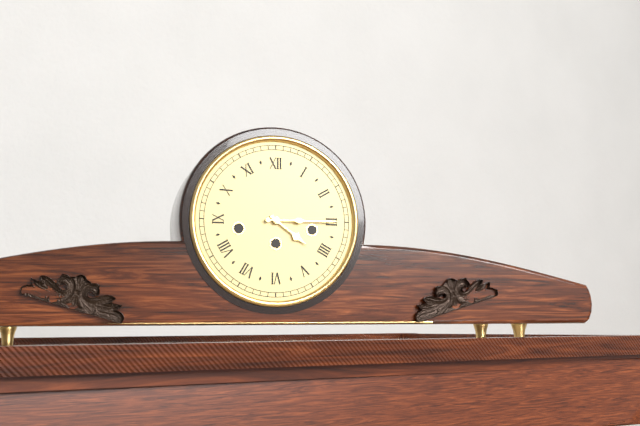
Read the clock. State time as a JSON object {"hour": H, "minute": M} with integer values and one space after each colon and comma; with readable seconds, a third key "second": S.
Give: {"hour": 4, "minute": 15}
